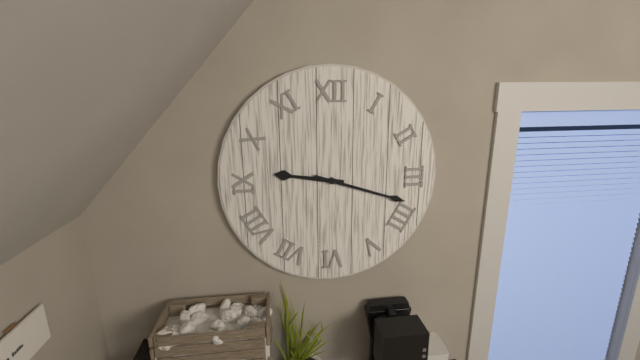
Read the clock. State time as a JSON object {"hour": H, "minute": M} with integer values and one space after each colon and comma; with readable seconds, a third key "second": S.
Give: {"hour": 9, "minute": 18}
